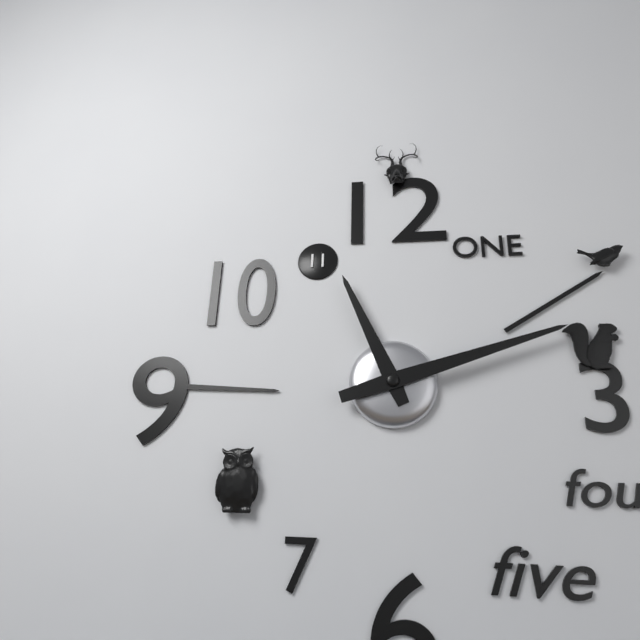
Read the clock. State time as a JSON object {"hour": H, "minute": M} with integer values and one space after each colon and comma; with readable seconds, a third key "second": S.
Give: {"hour": 11, "minute": 12}
